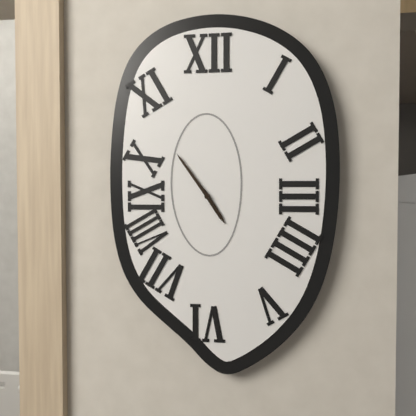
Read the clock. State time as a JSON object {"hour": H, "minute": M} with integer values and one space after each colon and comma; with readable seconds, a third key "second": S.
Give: {"hour": 4, "minute": 54}
